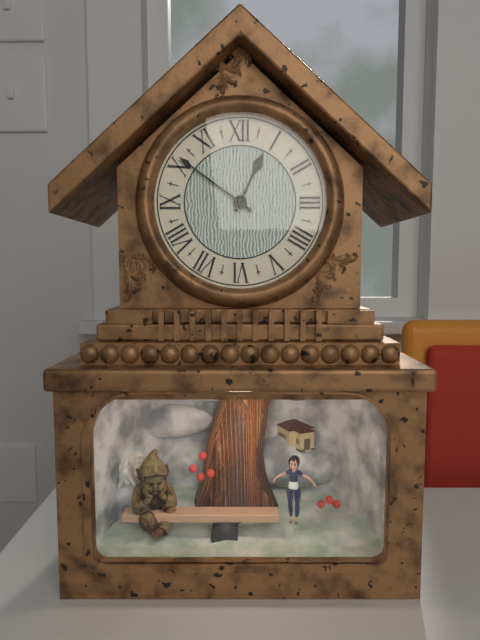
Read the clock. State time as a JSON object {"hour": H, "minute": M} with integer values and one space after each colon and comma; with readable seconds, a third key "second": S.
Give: {"hour": 12, "minute": 51}
